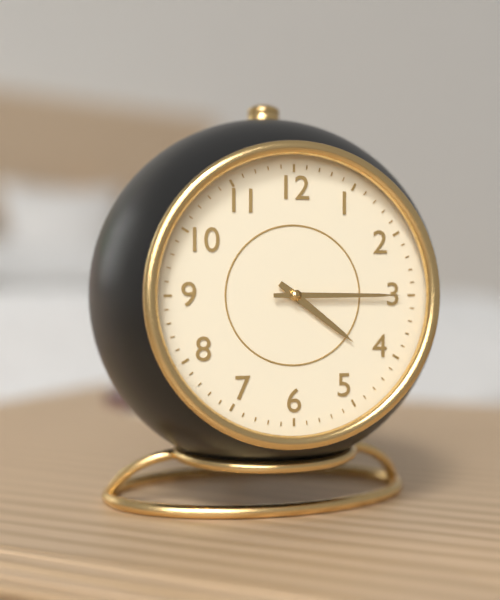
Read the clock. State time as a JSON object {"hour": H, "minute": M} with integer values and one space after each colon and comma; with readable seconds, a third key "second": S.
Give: {"hour": 4, "minute": 15}
